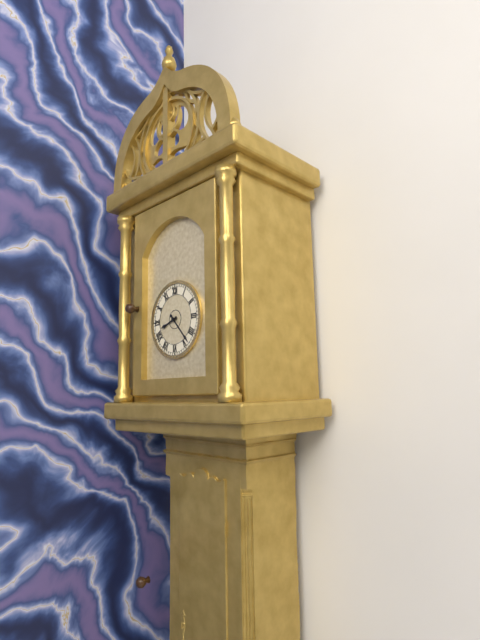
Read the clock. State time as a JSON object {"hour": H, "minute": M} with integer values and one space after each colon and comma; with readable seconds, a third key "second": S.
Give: {"hour": 8, "minute": 23}
